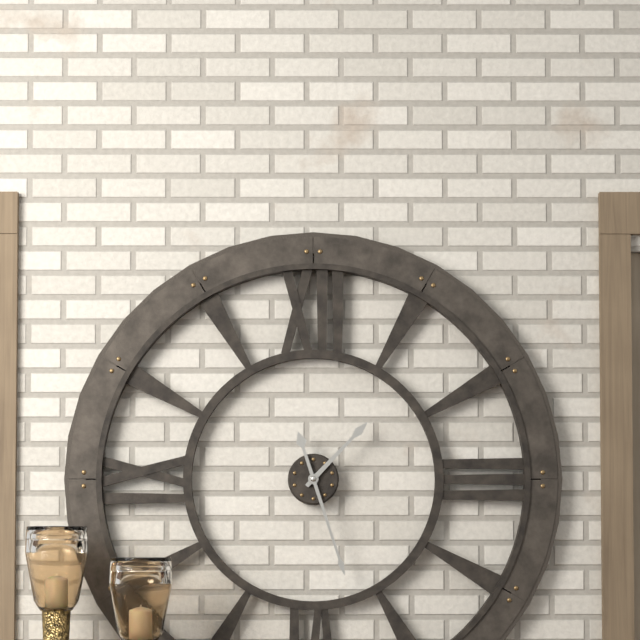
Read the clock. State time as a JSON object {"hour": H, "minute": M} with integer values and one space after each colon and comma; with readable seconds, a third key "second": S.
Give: {"hour": 1, "minute": 27}
